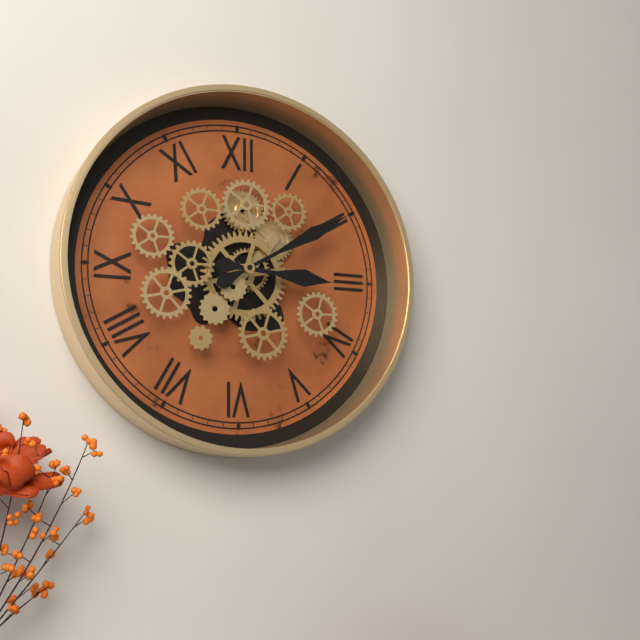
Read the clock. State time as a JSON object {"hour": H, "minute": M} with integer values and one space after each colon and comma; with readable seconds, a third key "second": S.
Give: {"hour": 3, "minute": 10}
